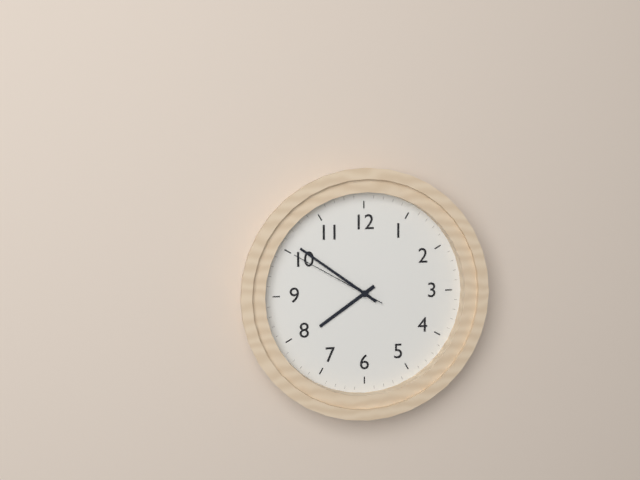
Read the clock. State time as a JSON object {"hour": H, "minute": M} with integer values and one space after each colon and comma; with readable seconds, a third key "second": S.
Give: {"hour": 7, "minute": 51, "second": 50}
